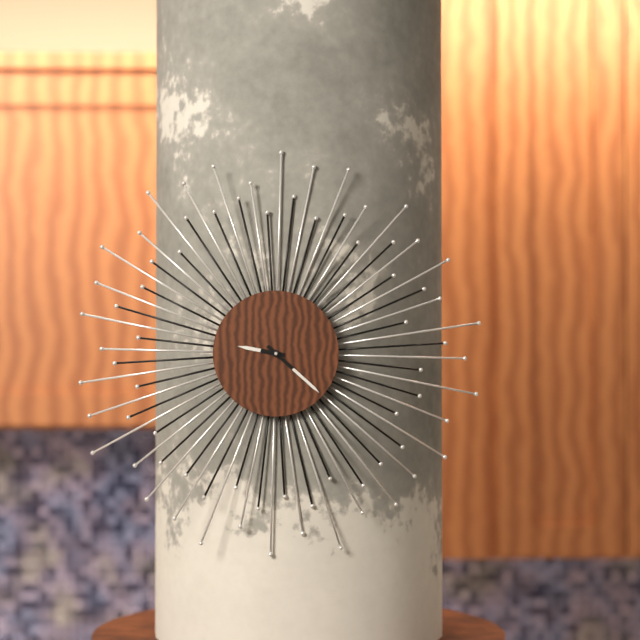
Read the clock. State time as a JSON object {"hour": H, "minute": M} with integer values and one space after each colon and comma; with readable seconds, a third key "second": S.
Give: {"hour": 9, "minute": 22}
